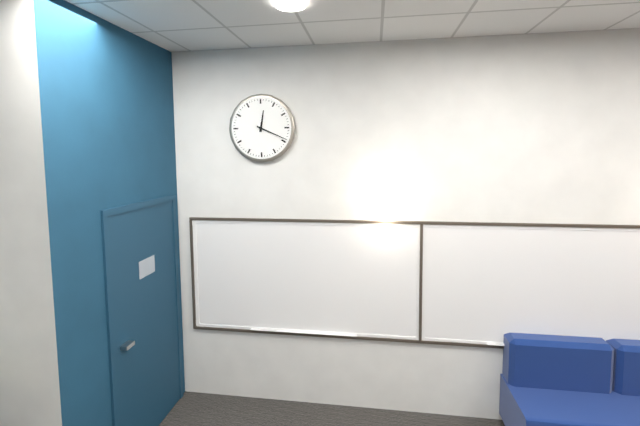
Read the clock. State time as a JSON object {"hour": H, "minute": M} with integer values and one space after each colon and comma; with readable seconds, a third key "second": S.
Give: {"hour": 12, "minute": 19}
